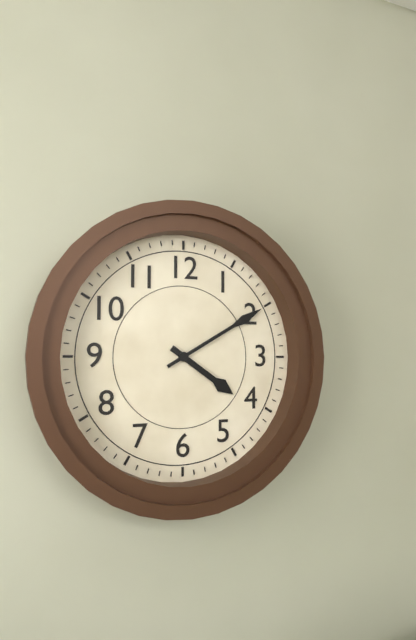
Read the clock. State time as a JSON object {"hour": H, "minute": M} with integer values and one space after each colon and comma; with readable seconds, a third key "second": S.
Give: {"hour": 4, "minute": 10}
